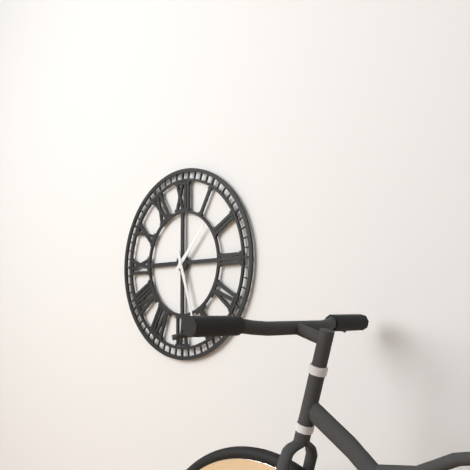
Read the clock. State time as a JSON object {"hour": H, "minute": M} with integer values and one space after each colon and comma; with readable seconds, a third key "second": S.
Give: {"hour": 1, "minute": 27}
